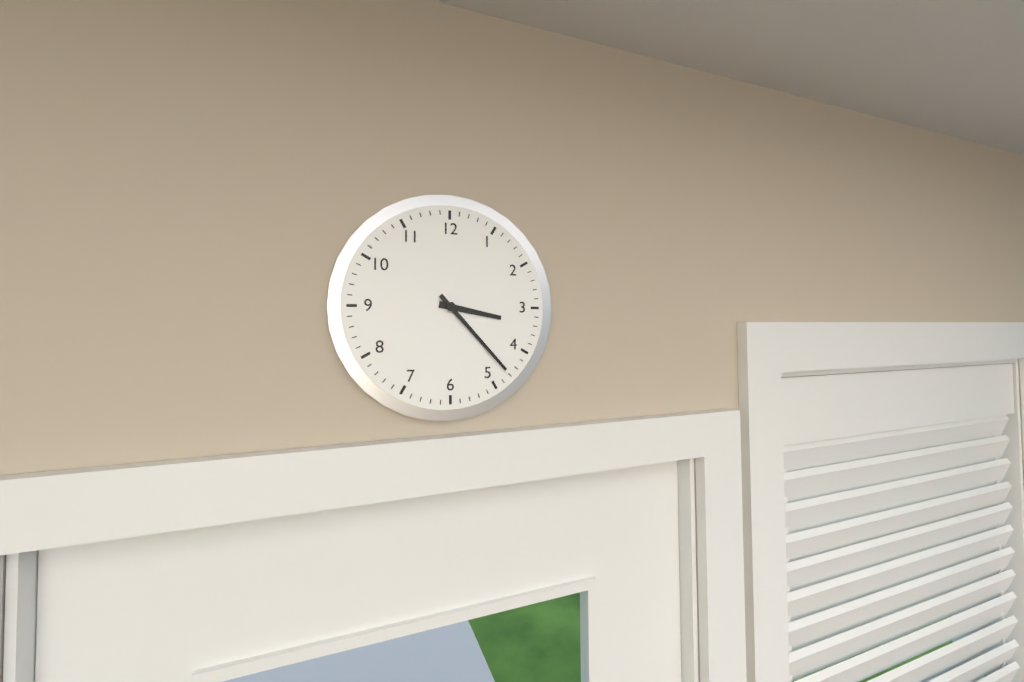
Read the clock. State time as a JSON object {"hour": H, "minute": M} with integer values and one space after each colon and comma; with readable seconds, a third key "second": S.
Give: {"hour": 3, "minute": 23}
